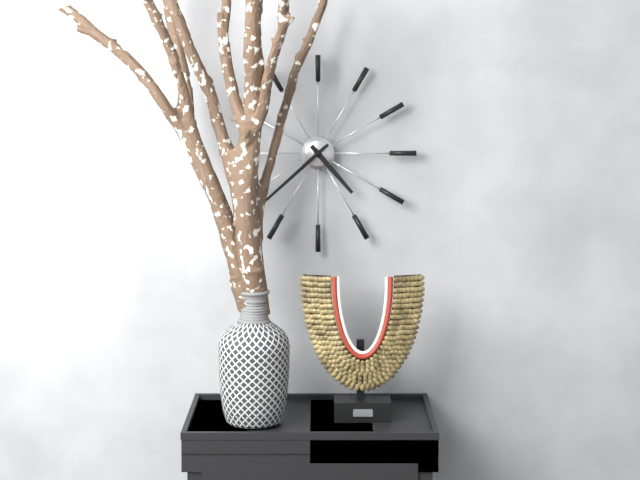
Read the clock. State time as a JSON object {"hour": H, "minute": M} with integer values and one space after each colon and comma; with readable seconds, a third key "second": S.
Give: {"hour": 4, "minute": 38}
